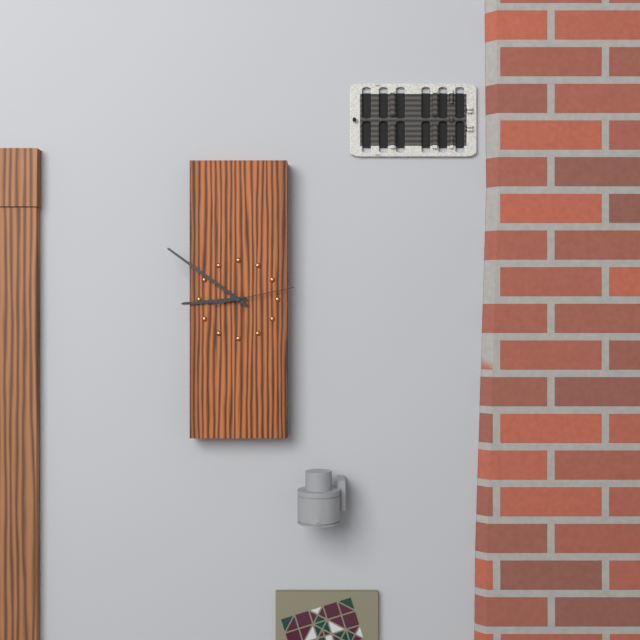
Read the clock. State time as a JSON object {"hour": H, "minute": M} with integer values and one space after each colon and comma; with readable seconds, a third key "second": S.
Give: {"hour": 8, "minute": 51, "second": 13}
